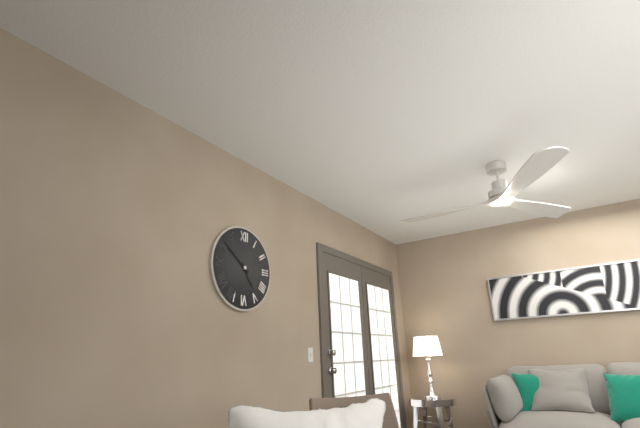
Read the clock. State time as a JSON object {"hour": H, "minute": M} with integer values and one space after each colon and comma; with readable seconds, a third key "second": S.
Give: {"hour": 4, "minute": 51}
